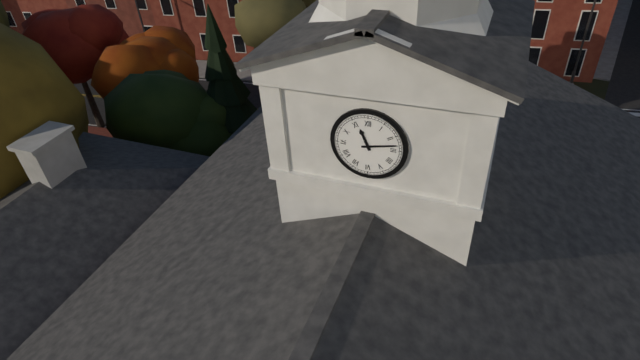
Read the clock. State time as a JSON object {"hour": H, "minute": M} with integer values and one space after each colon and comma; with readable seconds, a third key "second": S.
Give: {"hour": 11, "minute": 13}
